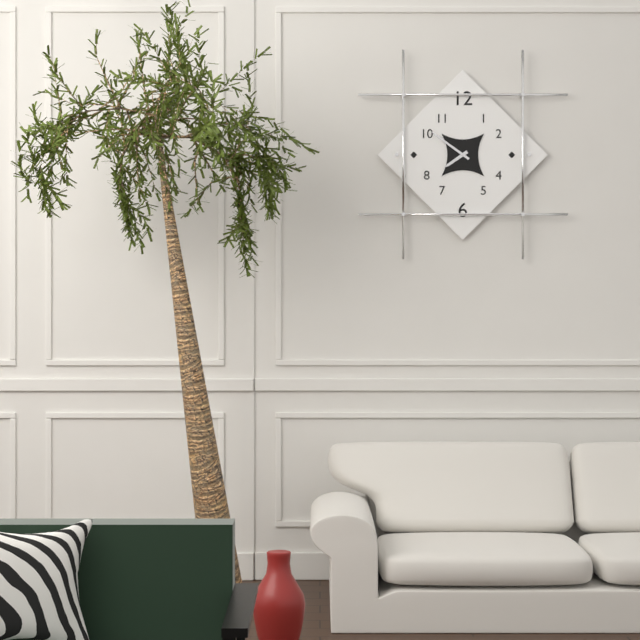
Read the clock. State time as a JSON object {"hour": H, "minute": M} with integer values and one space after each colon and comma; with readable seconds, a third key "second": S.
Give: {"hour": 7, "minute": 51}
